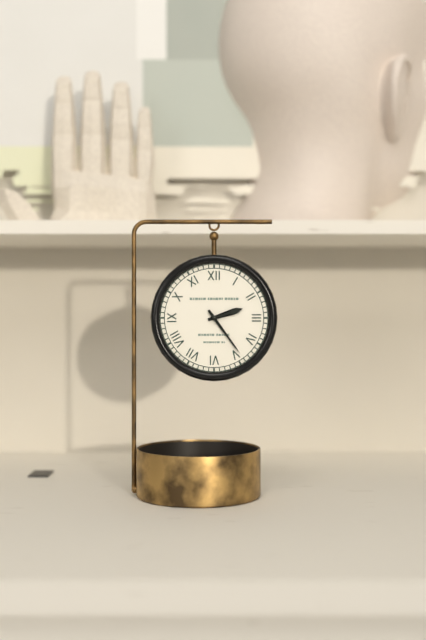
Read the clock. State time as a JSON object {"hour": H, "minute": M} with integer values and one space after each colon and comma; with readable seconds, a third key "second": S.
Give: {"hour": 2, "minute": 24}
